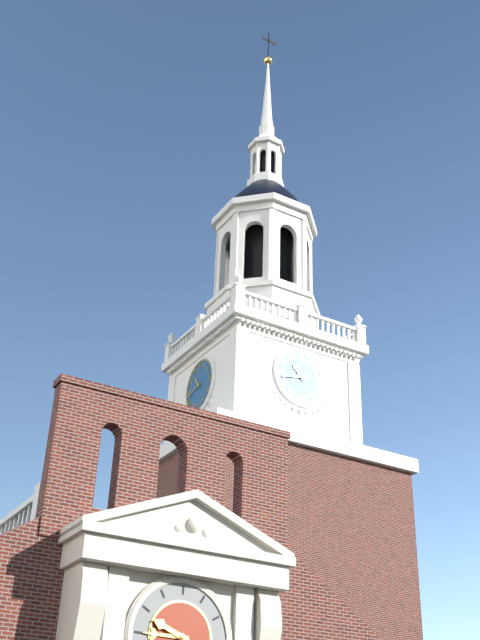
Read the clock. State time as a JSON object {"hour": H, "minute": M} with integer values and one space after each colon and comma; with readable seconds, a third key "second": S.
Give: {"hour": 10, "minute": 43}
